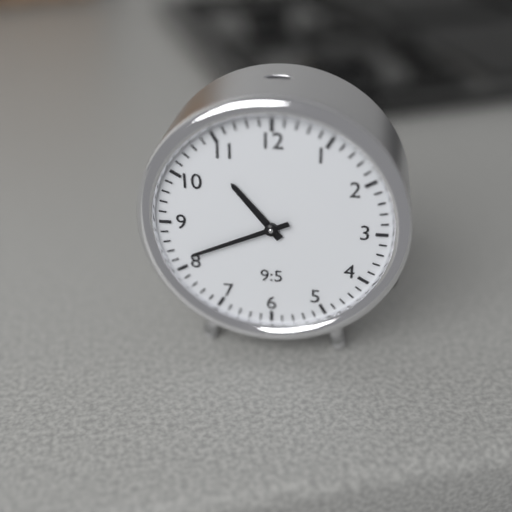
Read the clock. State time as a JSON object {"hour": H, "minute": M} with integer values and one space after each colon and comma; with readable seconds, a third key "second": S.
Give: {"hour": 10, "minute": 41}
